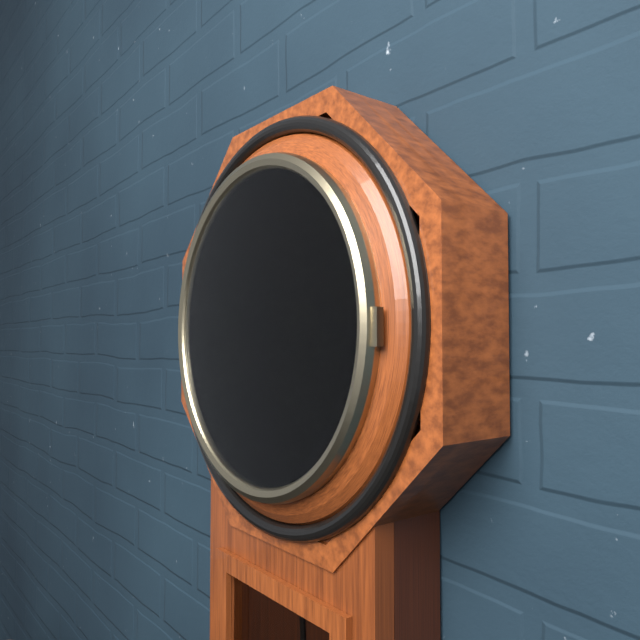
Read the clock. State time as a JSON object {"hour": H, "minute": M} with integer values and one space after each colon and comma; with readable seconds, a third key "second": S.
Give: {"hour": 10, "minute": 52}
